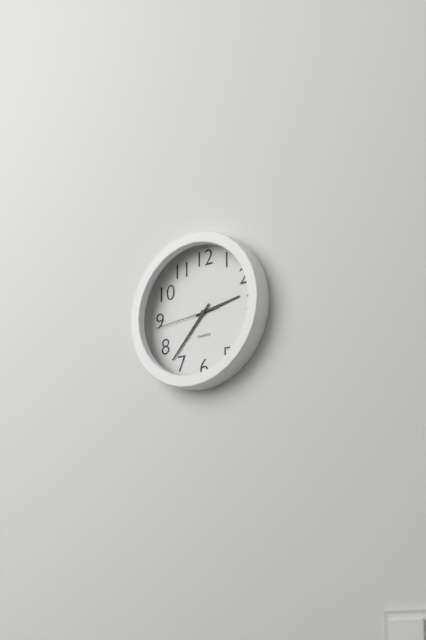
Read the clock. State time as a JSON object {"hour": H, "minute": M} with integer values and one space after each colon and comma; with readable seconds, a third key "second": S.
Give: {"hour": 2, "minute": 37, "second": 44}
